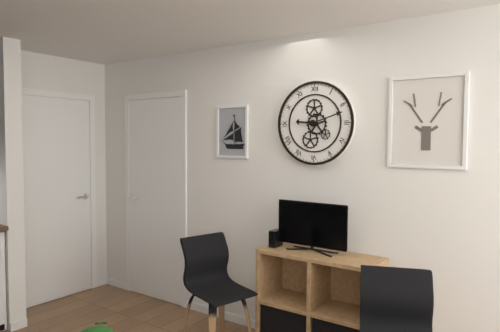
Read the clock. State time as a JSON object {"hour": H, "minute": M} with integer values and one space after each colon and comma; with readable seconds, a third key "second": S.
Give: {"hour": 9, "minute": 12}
